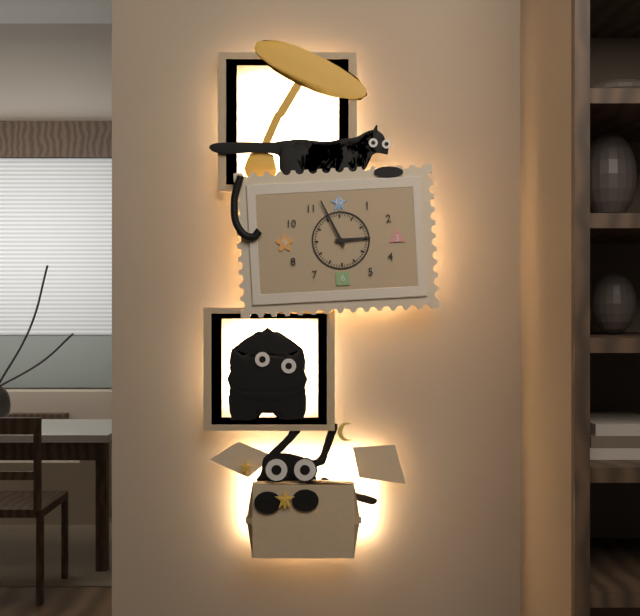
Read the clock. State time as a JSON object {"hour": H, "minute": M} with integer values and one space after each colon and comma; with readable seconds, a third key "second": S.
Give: {"hour": 2, "minute": 56}
